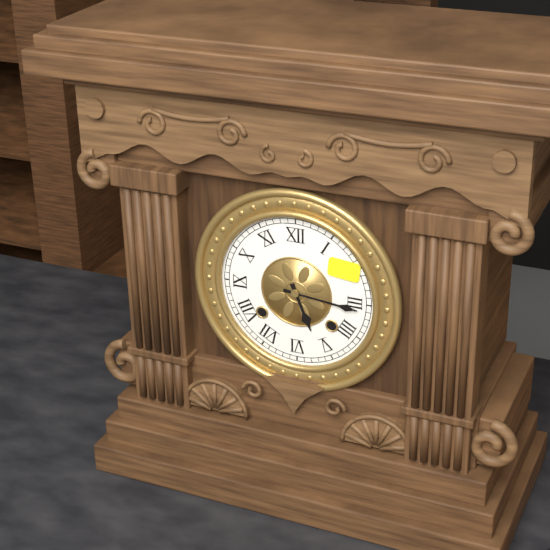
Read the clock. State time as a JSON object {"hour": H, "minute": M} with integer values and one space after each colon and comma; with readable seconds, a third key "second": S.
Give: {"hour": 5, "minute": 16}
